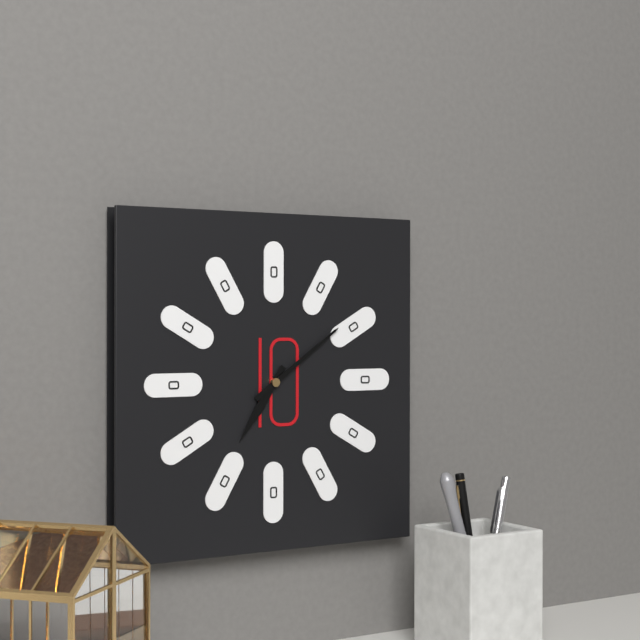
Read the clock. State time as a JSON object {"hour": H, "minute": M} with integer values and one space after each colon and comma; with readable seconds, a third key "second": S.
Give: {"hour": 7, "minute": 9}
